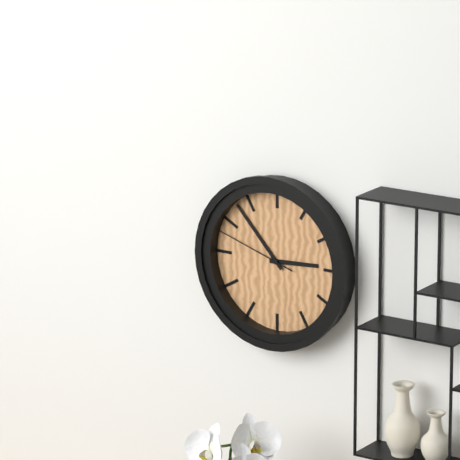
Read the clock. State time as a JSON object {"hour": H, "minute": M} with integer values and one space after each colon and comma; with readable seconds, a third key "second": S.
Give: {"hour": 2, "minute": 53, "second": 48}
